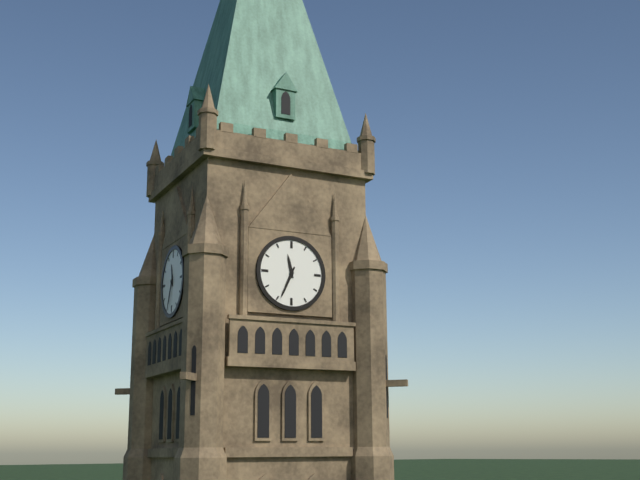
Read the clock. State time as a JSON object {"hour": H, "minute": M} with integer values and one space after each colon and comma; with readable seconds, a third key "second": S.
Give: {"hour": 11, "minute": 34}
